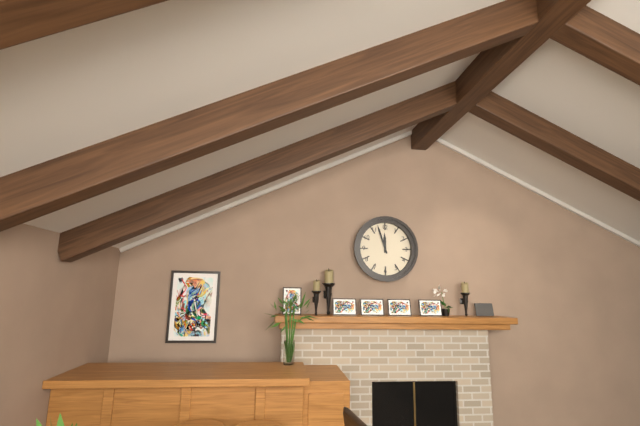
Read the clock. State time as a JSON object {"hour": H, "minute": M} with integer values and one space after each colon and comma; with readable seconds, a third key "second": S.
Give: {"hour": 11, "minute": 57}
